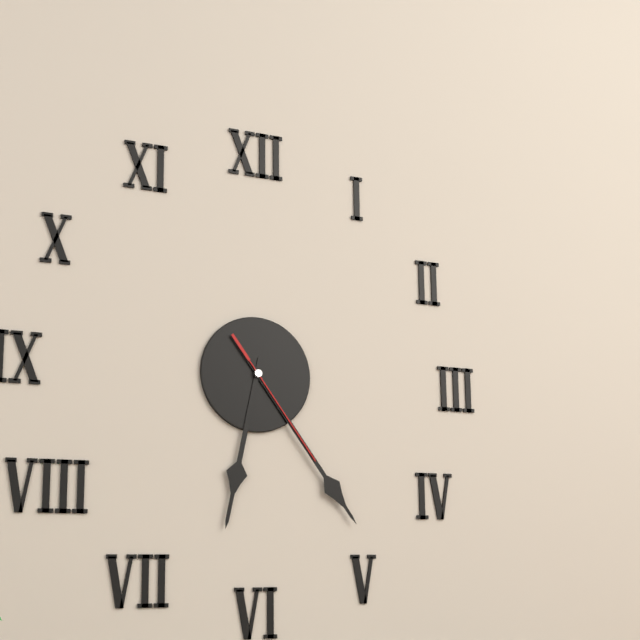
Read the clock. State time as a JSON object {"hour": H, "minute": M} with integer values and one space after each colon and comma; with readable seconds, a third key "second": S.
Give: {"hour": 6, "minute": 24, "second": 24}
